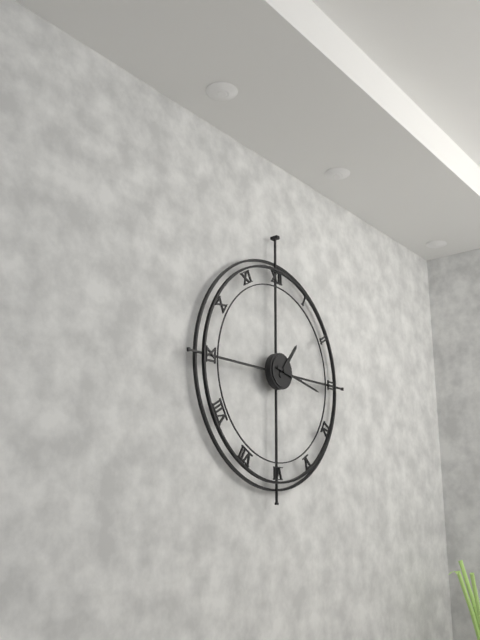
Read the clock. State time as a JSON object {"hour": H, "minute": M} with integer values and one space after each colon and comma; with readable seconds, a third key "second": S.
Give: {"hour": 1, "minute": 17}
